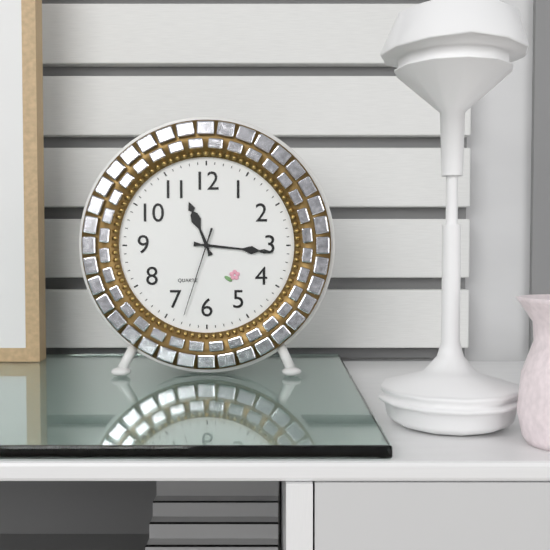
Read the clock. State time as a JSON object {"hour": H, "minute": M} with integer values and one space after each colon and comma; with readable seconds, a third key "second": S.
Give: {"hour": 11, "minute": 16, "second": 33}
